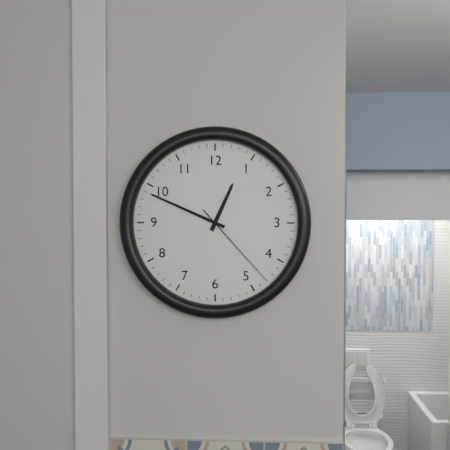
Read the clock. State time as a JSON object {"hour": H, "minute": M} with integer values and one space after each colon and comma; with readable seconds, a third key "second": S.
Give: {"hour": 12, "minute": 49, "second": 23}
